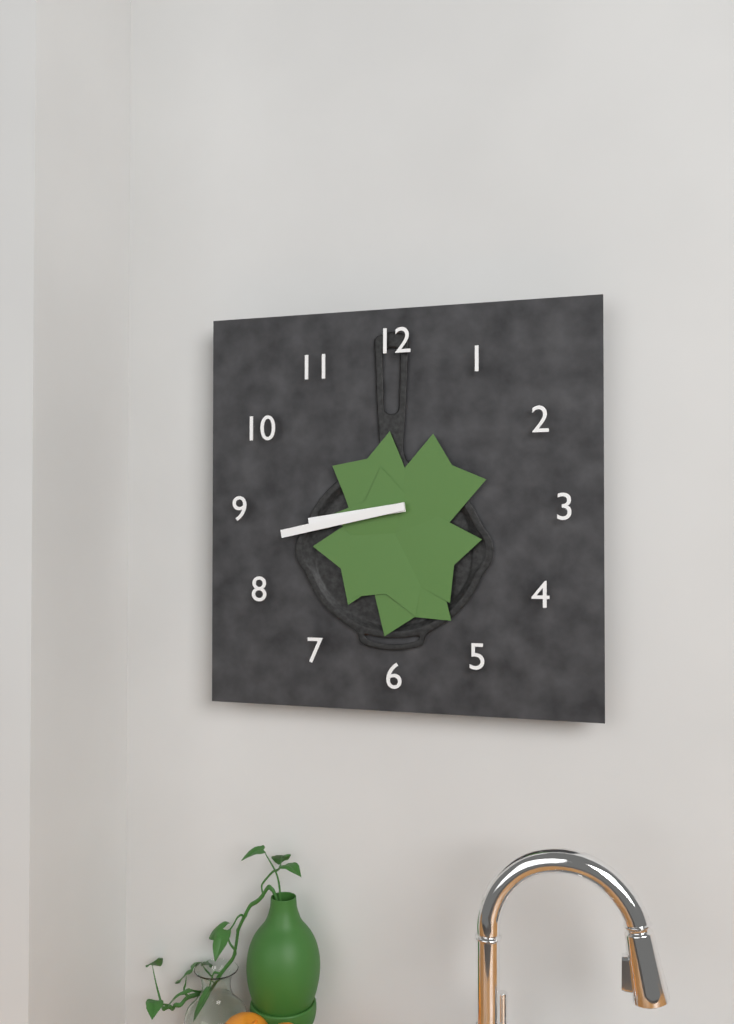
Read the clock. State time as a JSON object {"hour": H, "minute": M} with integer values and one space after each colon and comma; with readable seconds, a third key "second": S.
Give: {"hour": 8, "minute": 43}
